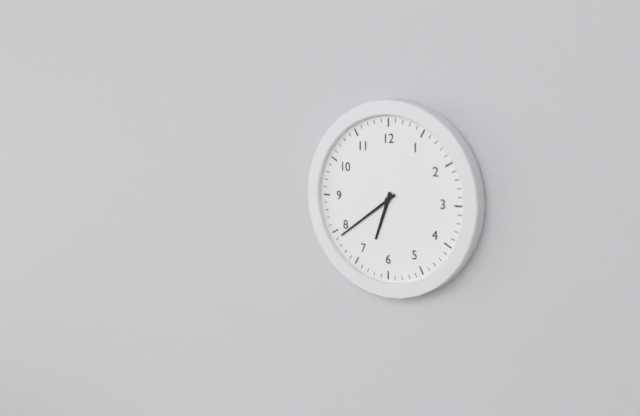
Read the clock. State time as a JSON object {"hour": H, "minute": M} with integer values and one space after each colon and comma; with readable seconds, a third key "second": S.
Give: {"hour": 6, "minute": 39}
